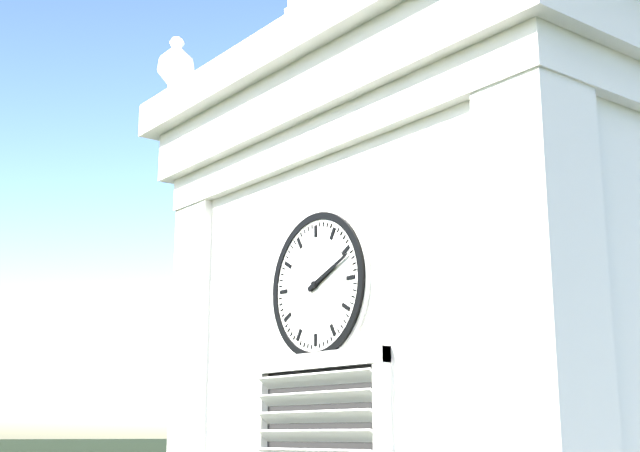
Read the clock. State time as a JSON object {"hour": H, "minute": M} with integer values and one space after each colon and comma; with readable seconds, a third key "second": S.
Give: {"hour": 2, "minute": 11}
